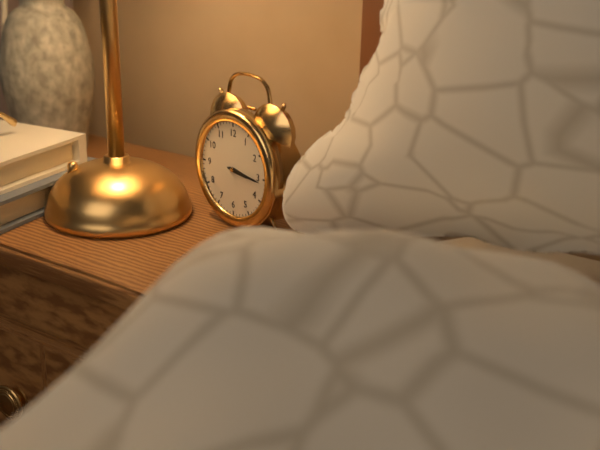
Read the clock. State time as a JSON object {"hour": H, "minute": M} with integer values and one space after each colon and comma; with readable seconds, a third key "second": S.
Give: {"hour": 3, "minute": 16}
